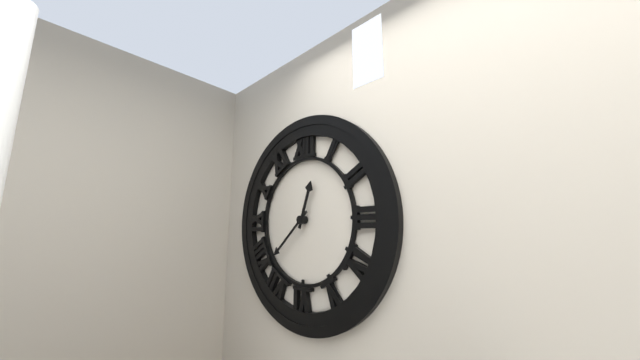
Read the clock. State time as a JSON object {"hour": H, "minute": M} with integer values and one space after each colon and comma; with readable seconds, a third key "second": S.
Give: {"hour": 12, "minute": 38}
